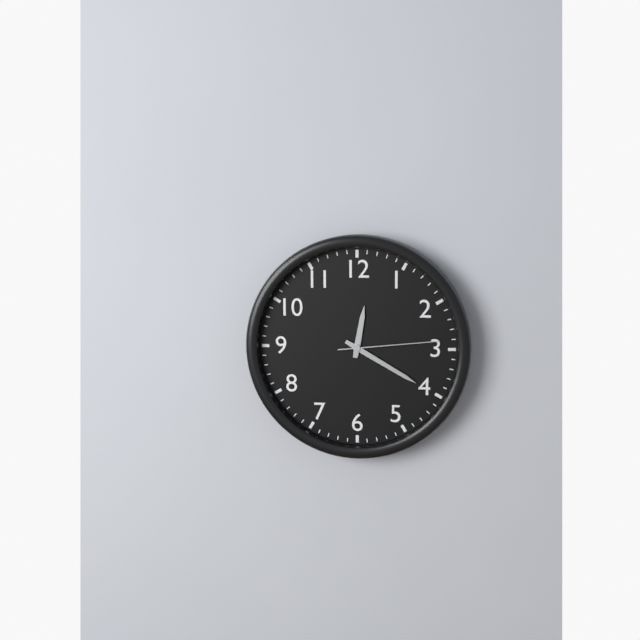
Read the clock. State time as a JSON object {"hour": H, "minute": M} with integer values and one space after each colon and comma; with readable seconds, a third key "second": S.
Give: {"hour": 12, "minute": 20, "second": 14}
